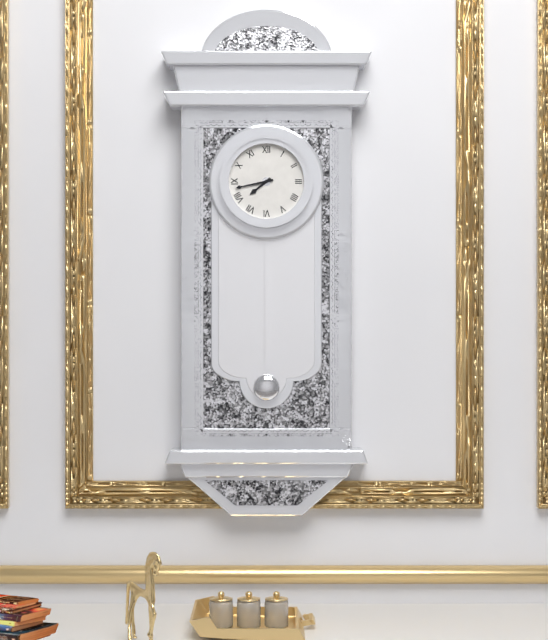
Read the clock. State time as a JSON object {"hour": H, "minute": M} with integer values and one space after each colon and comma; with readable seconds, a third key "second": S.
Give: {"hour": 7, "minute": 43}
